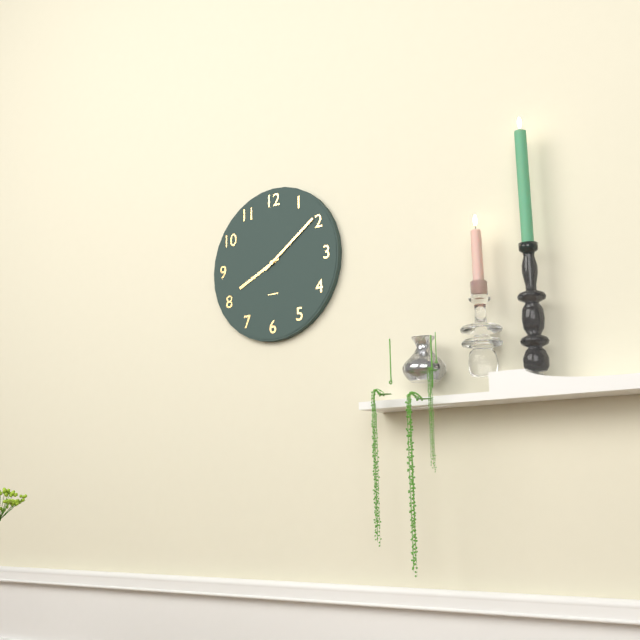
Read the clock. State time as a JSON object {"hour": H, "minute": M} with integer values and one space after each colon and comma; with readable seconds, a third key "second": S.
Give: {"hour": 8, "minute": 9}
